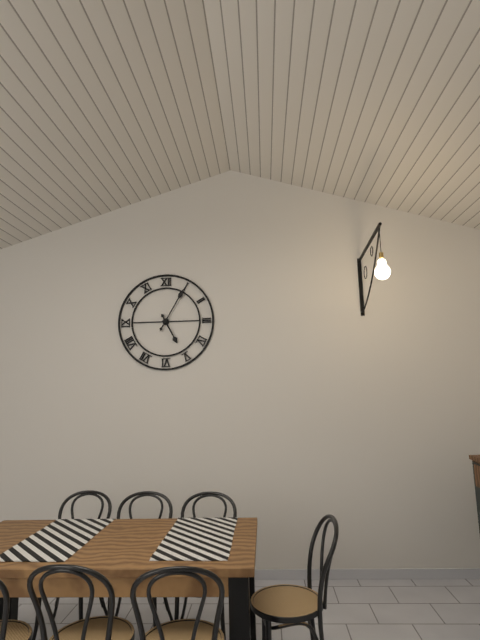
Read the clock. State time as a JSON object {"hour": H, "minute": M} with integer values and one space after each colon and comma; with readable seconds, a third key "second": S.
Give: {"hour": 5, "minute": 5}
